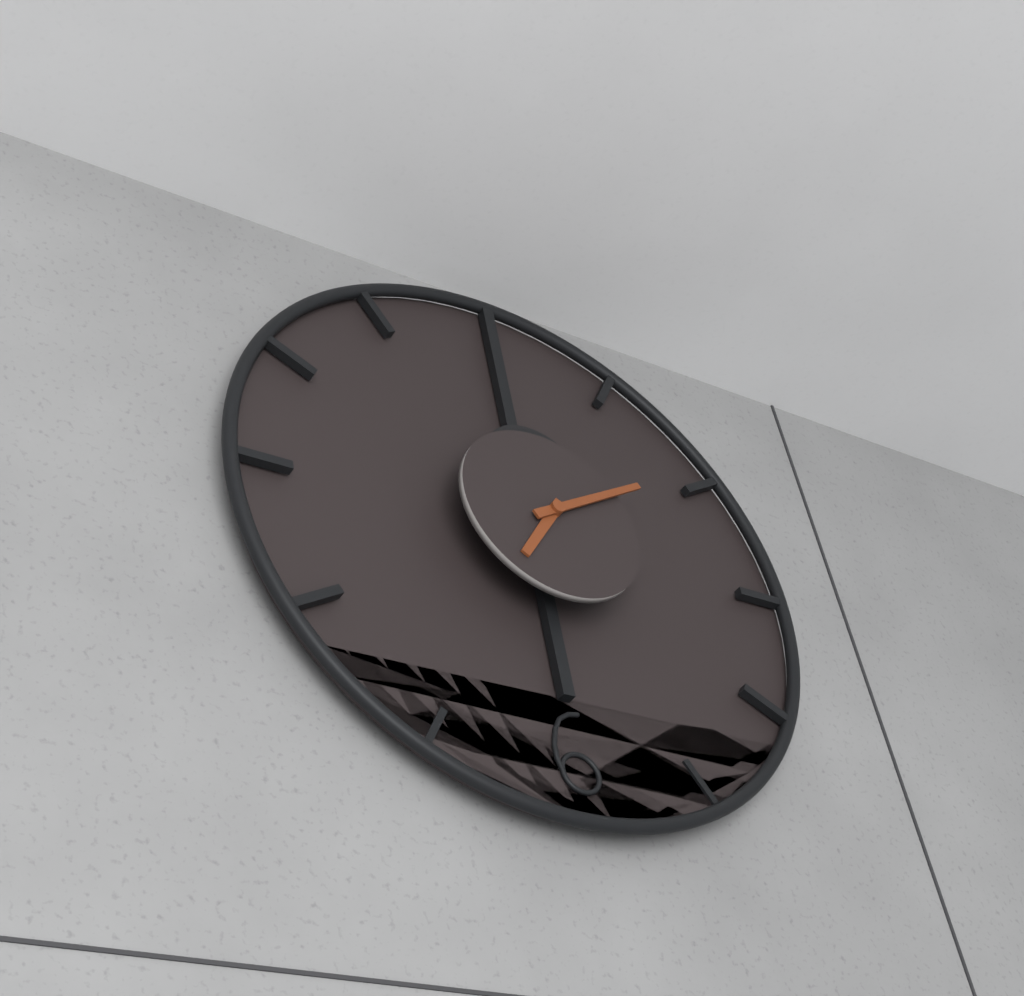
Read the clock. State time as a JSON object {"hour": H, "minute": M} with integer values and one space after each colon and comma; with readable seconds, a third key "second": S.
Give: {"hour": 7, "minute": 10}
